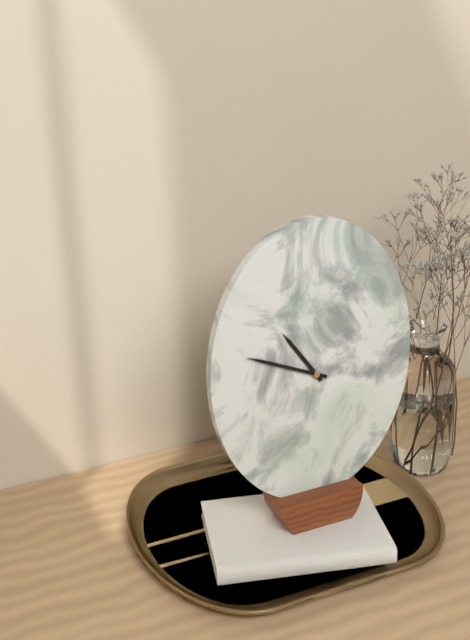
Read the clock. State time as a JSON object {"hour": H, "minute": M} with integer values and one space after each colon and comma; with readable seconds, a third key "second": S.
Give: {"hour": 10, "minute": 49}
